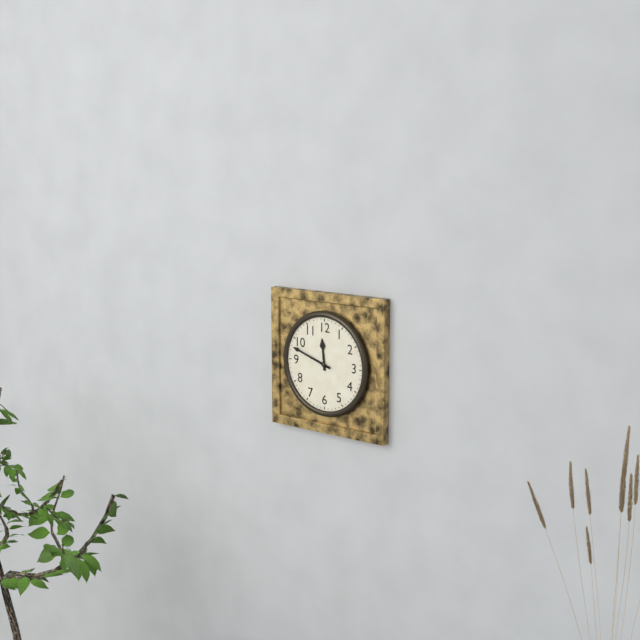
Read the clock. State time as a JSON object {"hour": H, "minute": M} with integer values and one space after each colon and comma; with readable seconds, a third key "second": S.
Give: {"hour": 11, "minute": 48}
